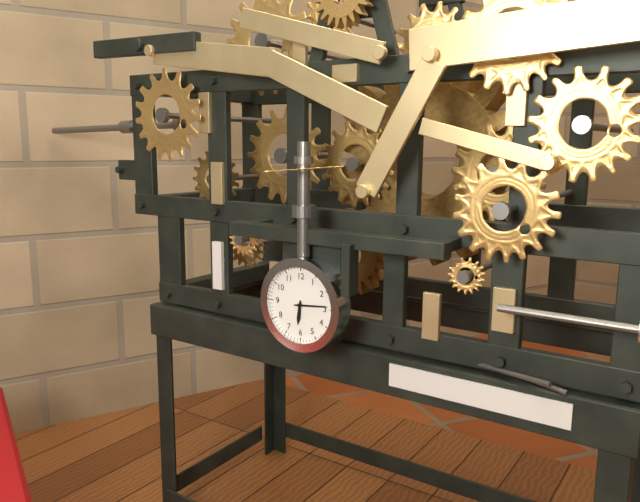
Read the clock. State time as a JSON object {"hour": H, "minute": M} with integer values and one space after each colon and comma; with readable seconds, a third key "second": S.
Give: {"hour": 6, "minute": 14}
